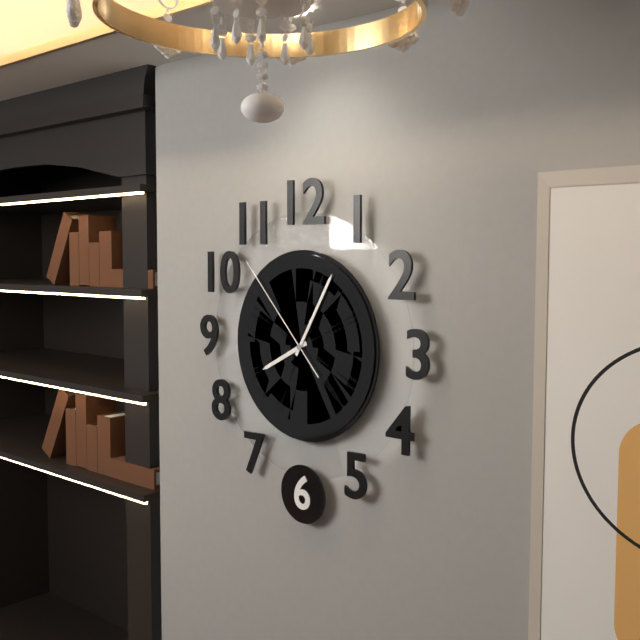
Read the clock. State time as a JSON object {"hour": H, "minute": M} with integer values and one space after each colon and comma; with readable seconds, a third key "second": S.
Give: {"hour": 8, "minute": 5, "second": 53}
